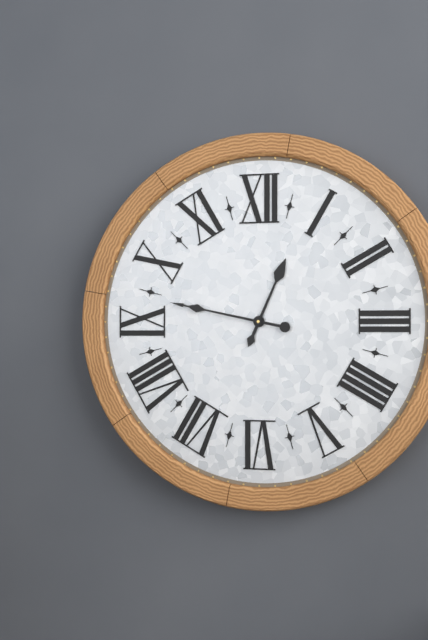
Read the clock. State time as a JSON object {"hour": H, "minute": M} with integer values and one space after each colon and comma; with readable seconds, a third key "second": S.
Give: {"hour": 12, "minute": 47}
